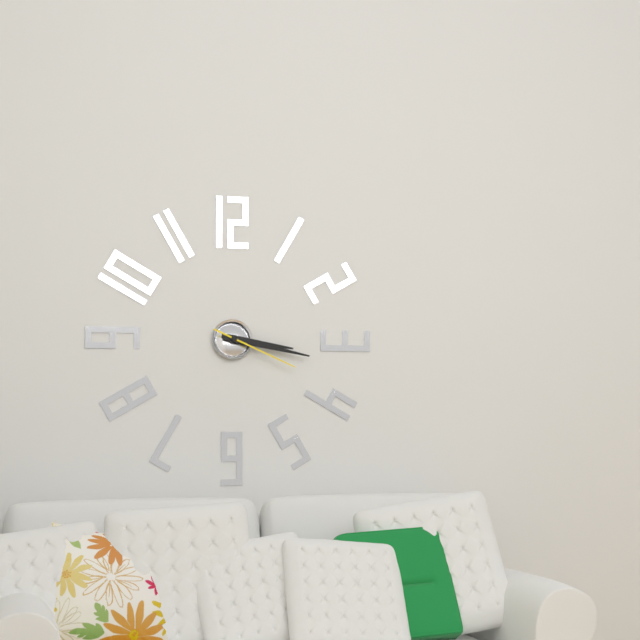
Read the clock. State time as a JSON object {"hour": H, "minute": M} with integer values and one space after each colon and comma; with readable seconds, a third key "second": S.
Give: {"hour": 3, "minute": 17, "second": 19}
